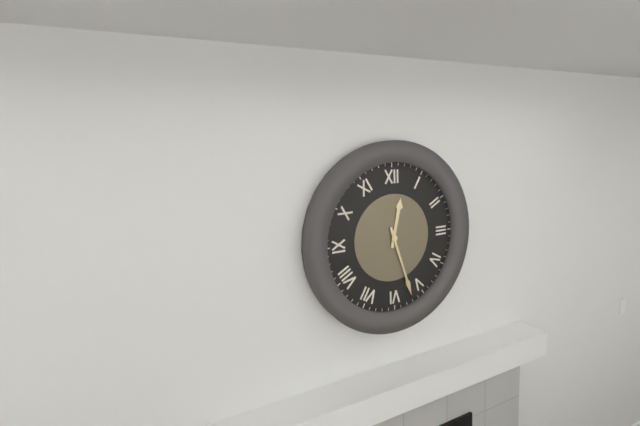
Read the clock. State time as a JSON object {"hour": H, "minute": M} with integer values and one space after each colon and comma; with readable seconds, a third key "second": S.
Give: {"hour": 12, "minute": 27}
